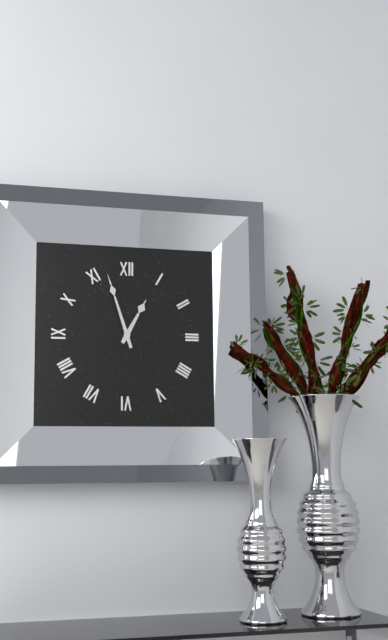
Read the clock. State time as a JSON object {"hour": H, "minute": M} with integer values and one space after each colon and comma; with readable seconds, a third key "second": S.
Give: {"hour": 12, "minute": 57}
